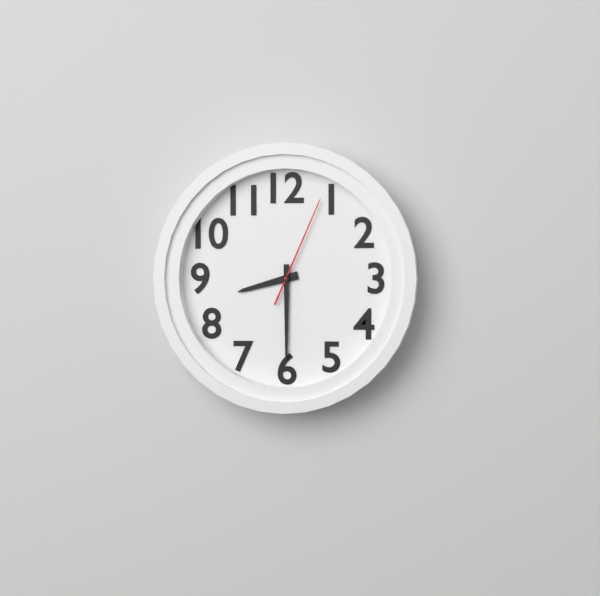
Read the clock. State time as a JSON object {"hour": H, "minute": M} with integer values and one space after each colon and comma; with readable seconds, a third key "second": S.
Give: {"hour": 8, "minute": 30, "second": 4}
